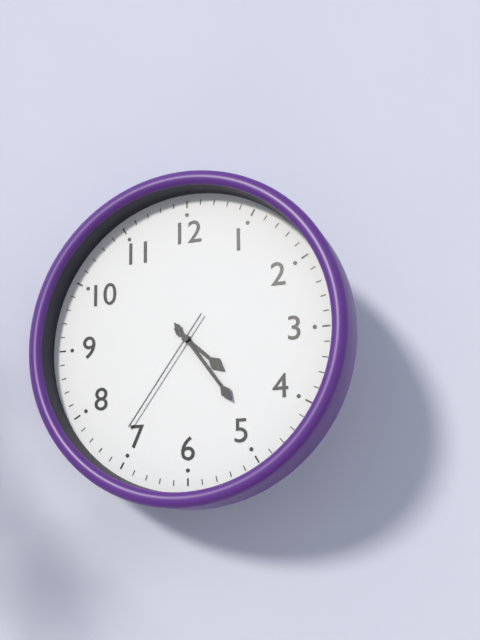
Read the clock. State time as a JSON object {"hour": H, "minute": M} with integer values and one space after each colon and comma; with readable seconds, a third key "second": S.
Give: {"hour": 4, "minute": 24, "second": 36}
